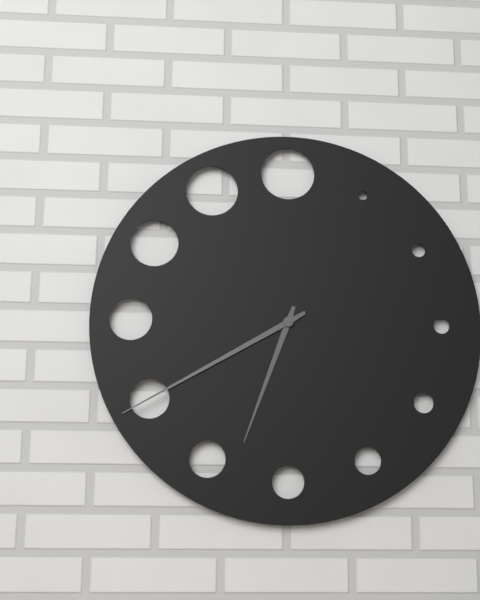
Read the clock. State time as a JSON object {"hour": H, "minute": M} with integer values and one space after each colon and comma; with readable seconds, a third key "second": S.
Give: {"hour": 6, "minute": 40}
